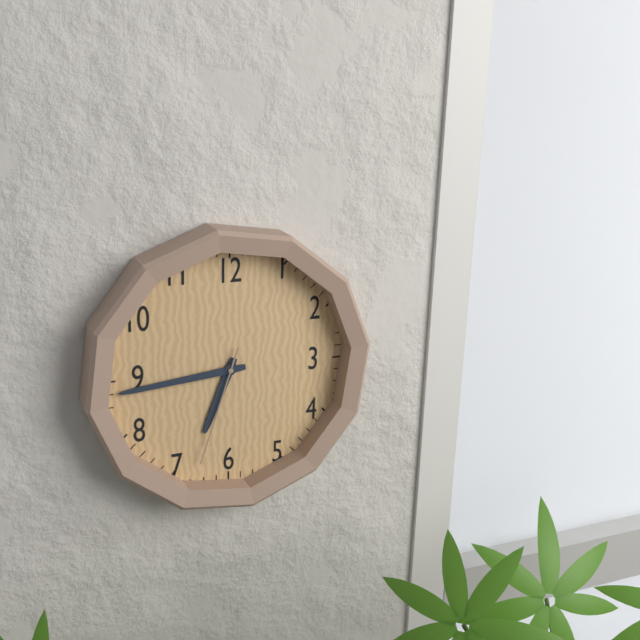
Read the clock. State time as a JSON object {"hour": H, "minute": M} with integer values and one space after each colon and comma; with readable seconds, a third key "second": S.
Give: {"hour": 6, "minute": 44, "second": 33}
